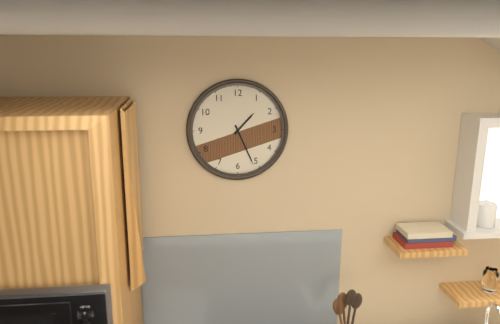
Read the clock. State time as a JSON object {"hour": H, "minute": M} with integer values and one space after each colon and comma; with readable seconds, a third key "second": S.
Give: {"hour": 1, "minute": 26}
